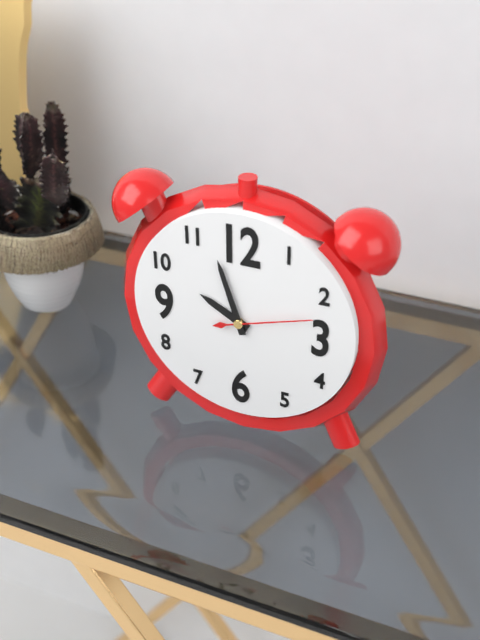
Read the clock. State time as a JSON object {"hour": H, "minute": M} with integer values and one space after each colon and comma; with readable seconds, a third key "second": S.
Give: {"hour": 9, "minute": 57, "second": 12}
